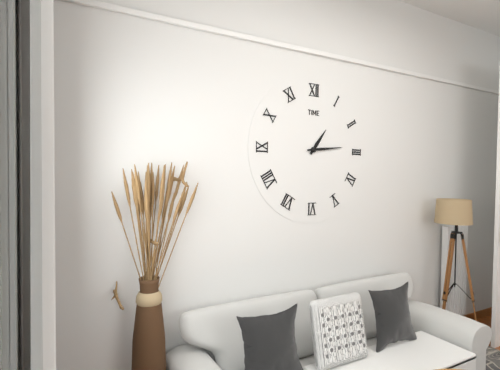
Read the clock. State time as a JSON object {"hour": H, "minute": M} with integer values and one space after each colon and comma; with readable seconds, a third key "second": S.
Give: {"hour": 1, "minute": 14}
